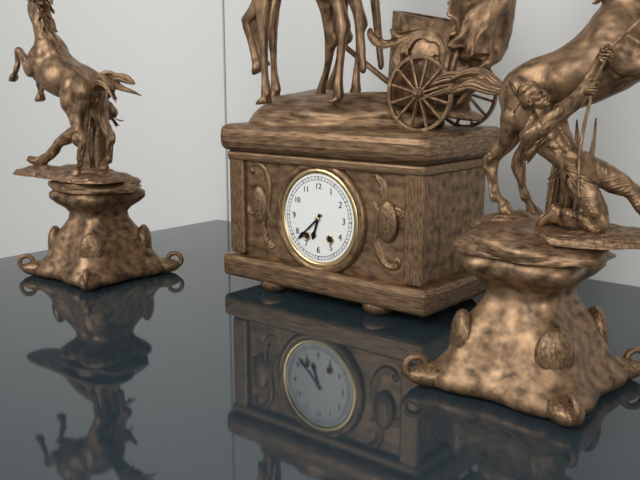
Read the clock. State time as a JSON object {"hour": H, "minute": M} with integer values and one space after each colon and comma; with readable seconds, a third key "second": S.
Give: {"hour": 6, "minute": 38}
